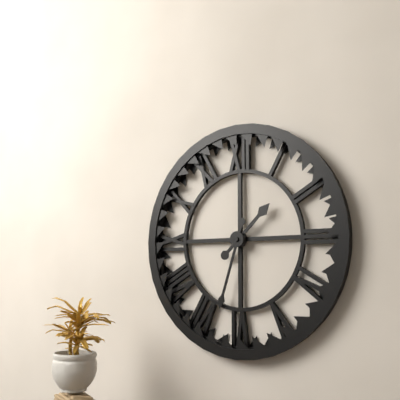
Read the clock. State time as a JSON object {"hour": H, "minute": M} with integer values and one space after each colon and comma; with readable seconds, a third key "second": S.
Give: {"hour": 1, "minute": 33}
